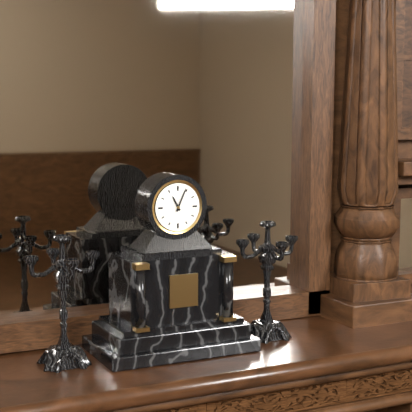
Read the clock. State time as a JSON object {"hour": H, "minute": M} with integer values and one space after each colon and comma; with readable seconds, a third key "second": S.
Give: {"hour": 11, "minute": 4}
